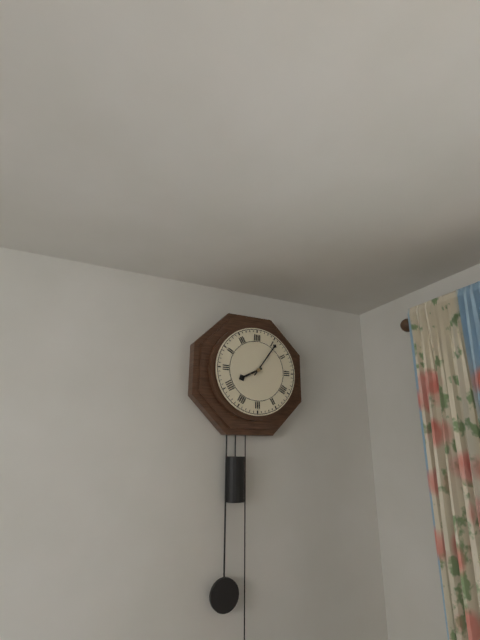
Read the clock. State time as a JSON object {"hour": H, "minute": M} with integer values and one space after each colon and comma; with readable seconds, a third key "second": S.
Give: {"hour": 8, "minute": 6}
